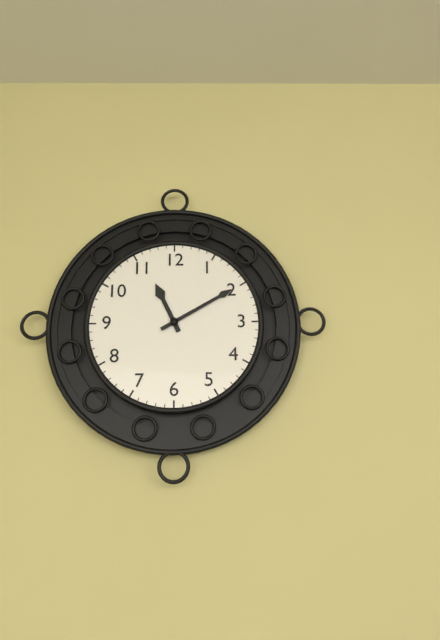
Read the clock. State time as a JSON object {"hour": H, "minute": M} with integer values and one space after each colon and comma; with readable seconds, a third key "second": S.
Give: {"hour": 11, "minute": 10}
